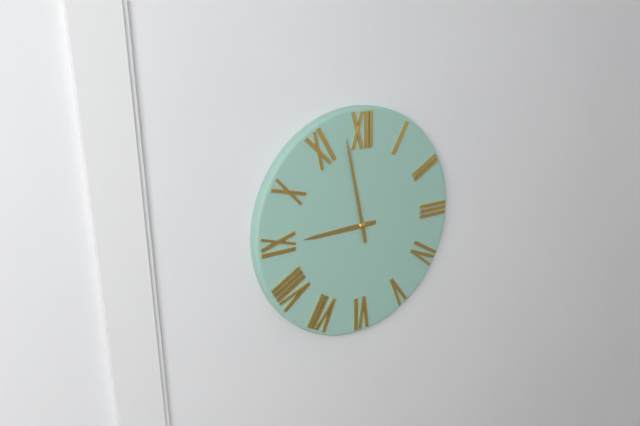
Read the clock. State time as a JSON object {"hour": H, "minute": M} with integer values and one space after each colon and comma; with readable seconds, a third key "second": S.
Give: {"hour": 8, "minute": 58}
